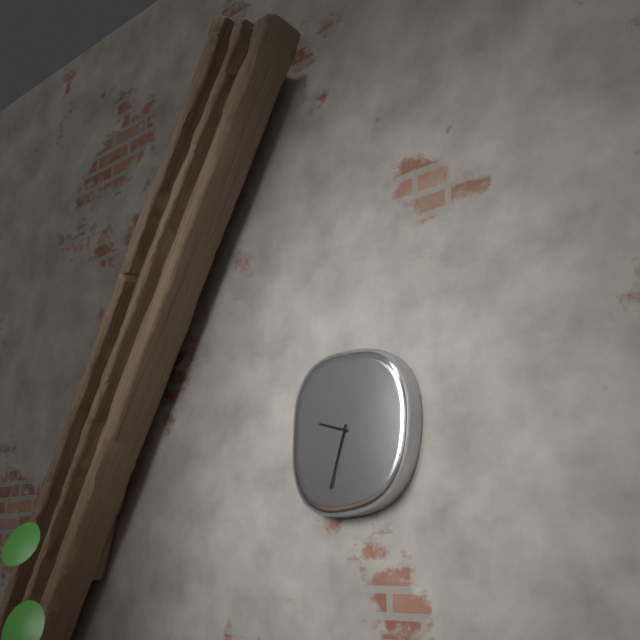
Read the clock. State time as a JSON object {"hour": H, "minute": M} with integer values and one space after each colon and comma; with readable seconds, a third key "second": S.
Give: {"hour": 9, "minute": 33}
